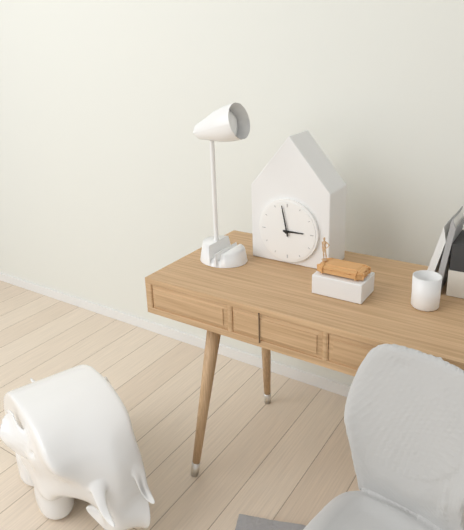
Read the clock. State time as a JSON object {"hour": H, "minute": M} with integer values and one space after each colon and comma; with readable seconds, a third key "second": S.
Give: {"hour": 2, "minute": 58}
